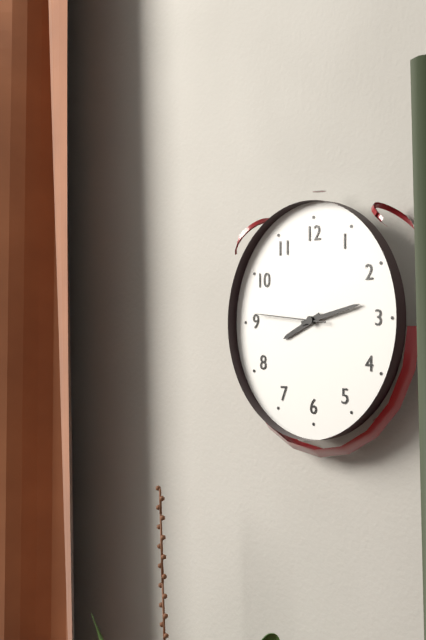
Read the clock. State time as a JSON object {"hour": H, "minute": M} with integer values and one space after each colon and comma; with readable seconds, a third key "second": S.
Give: {"hour": 8, "minute": 13, "second": 46}
